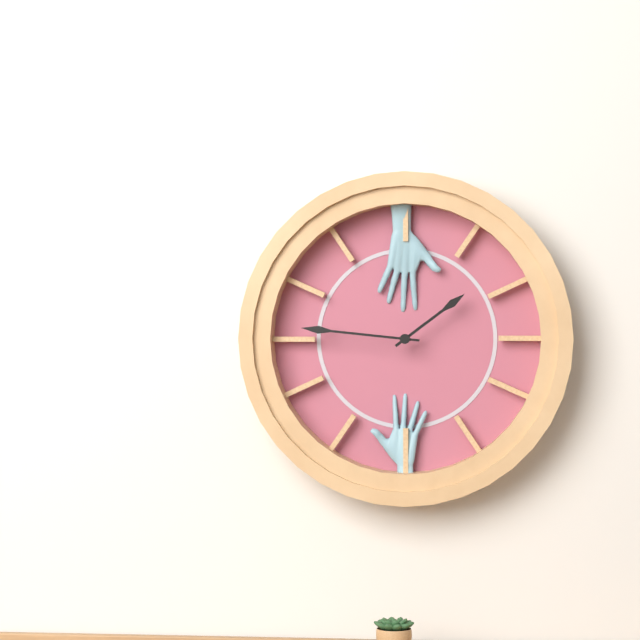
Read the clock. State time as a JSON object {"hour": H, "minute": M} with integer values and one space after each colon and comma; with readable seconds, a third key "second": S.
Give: {"hour": 1, "minute": 46}
